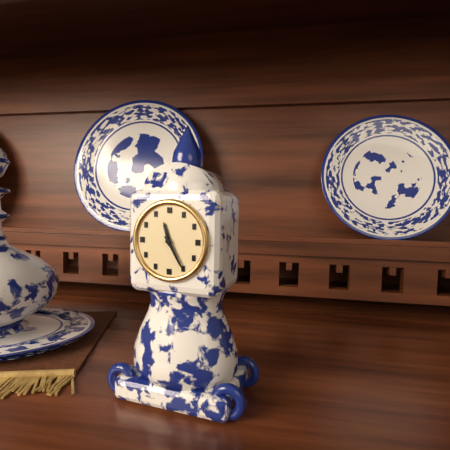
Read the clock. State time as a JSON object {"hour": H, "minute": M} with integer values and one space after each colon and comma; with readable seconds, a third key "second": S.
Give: {"hour": 11, "minute": 25}
